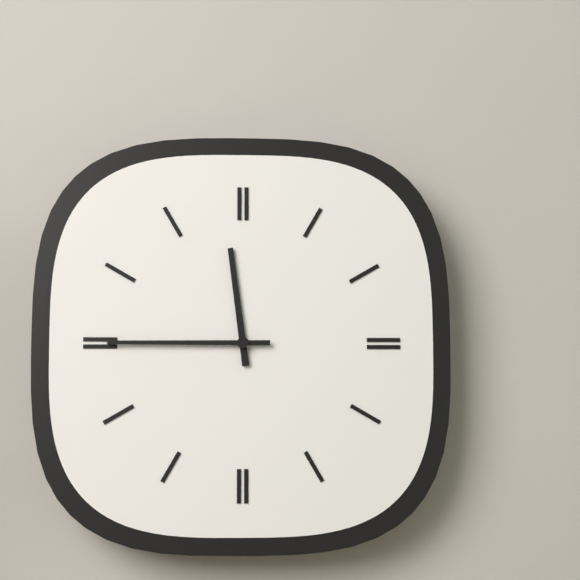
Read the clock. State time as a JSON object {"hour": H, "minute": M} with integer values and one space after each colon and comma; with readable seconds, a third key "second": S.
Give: {"hour": 11, "minute": 45}
